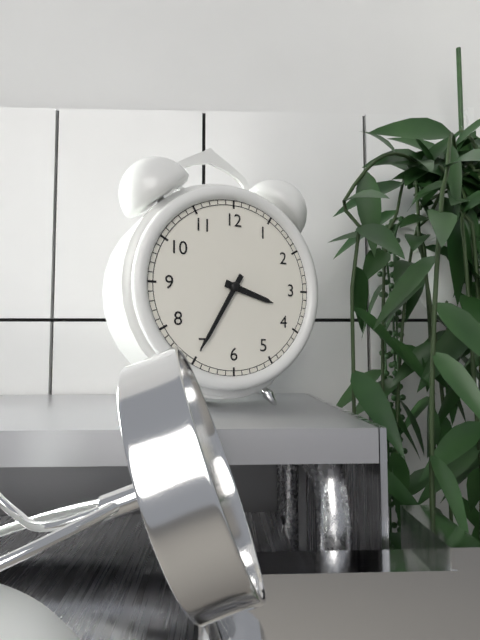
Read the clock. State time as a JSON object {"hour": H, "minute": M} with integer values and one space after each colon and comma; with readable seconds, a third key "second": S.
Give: {"hour": 3, "minute": 35}
